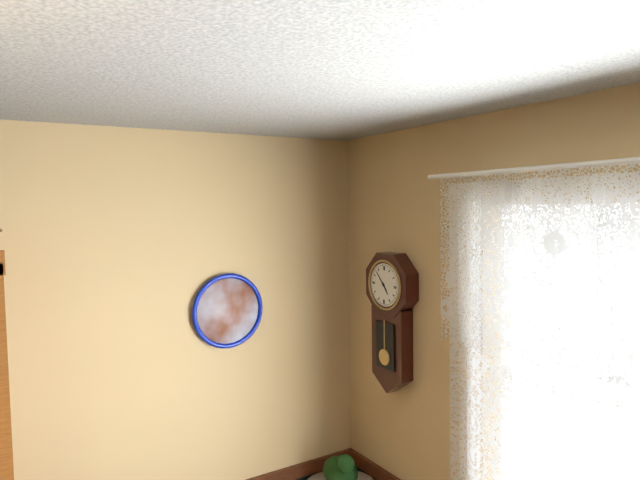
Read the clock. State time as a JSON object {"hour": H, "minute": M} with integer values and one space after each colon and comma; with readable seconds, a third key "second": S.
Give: {"hour": 4, "minute": 53}
